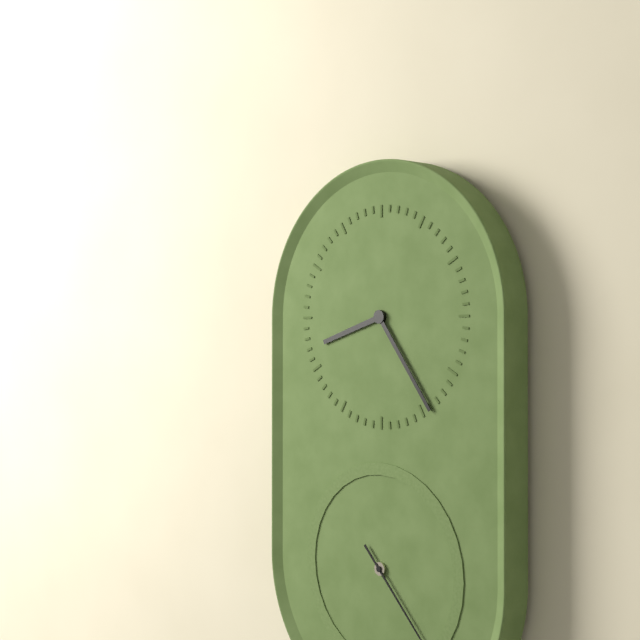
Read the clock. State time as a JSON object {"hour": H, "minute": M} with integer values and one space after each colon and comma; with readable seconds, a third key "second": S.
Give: {"hour": 8, "minute": 24}
